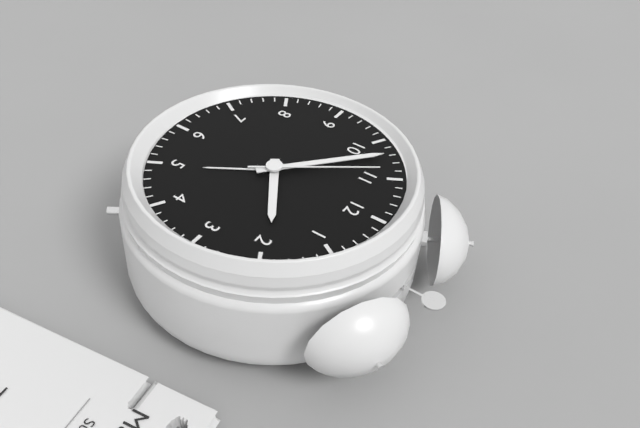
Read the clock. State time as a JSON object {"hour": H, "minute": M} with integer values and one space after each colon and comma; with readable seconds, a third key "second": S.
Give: {"hour": 1, "minute": 52, "second": 54}
